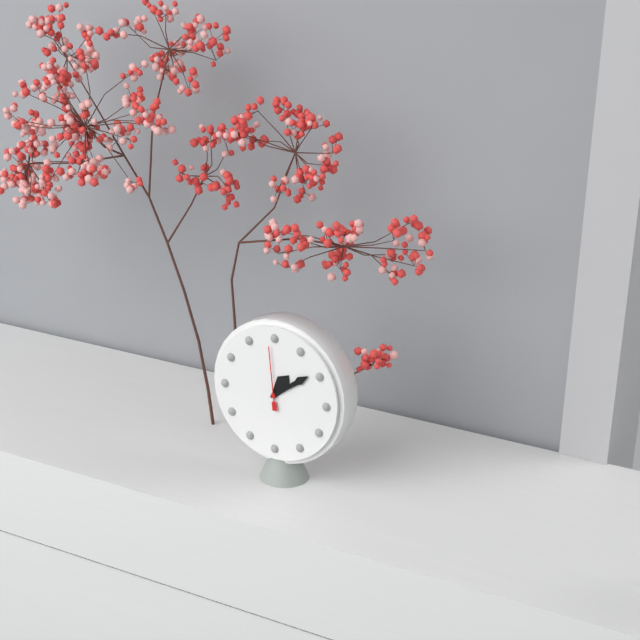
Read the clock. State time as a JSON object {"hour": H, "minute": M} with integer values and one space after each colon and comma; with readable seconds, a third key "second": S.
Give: {"hour": 1, "minute": 9, "second": 59}
